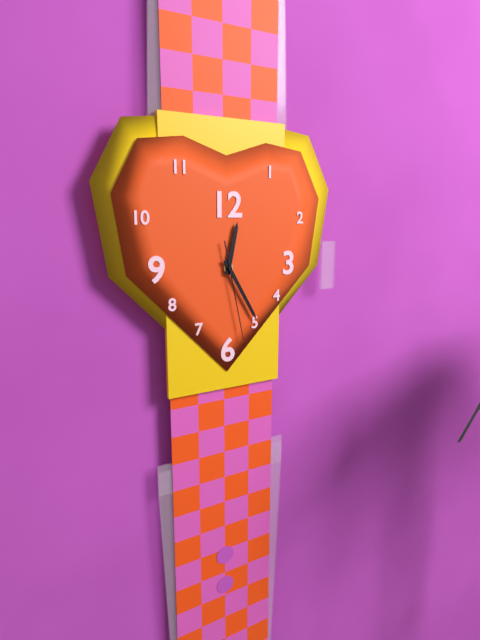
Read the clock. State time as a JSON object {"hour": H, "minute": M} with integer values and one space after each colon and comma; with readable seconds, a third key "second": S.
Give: {"hour": 12, "minute": 25, "second": 28}
